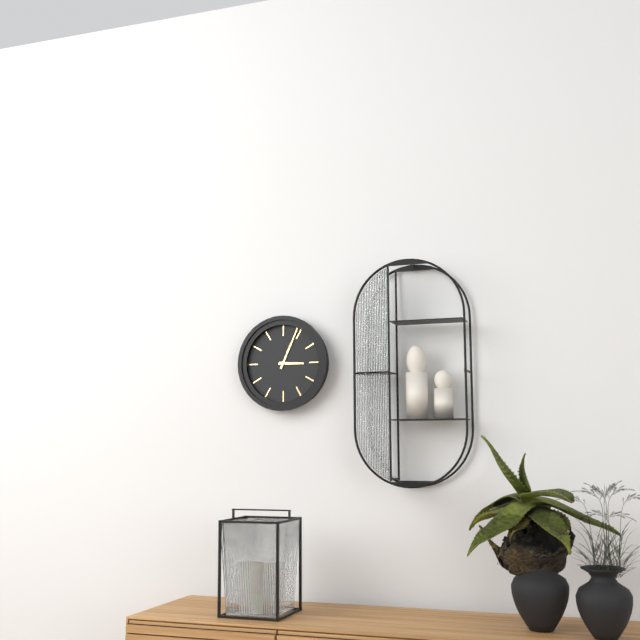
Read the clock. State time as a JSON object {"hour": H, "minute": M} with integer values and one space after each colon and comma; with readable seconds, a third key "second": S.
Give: {"hour": 3, "minute": 4}
